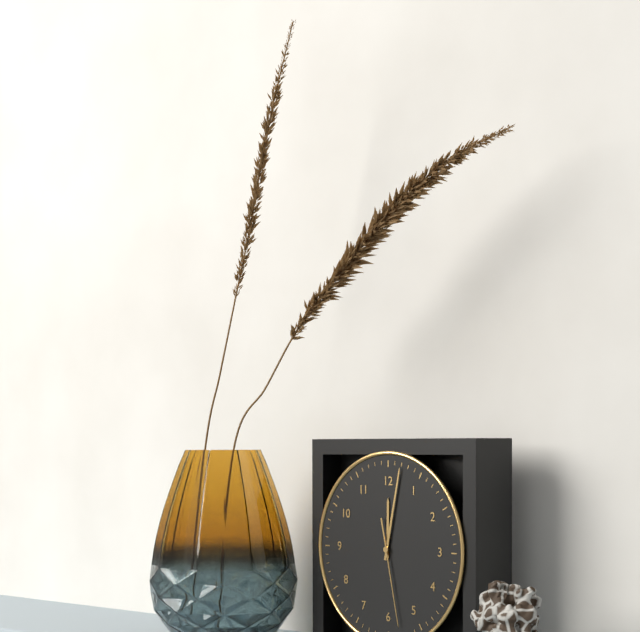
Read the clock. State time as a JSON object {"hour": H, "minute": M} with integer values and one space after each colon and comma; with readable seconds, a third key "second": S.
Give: {"hour": 12, "minute": 2, "second": 28}
